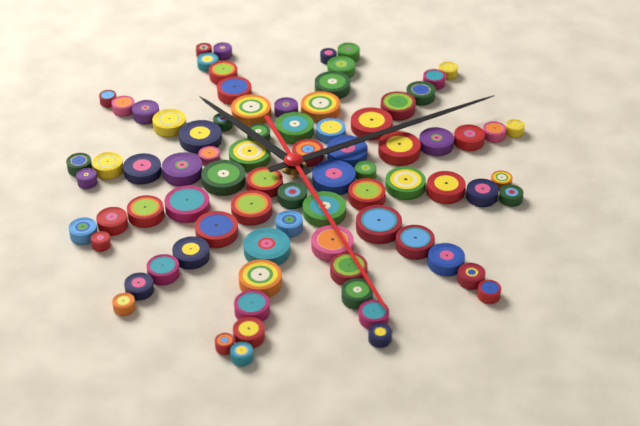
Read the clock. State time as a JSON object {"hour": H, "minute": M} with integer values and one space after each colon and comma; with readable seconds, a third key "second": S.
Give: {"hour": 10, "minute": 8, "second": 24}
